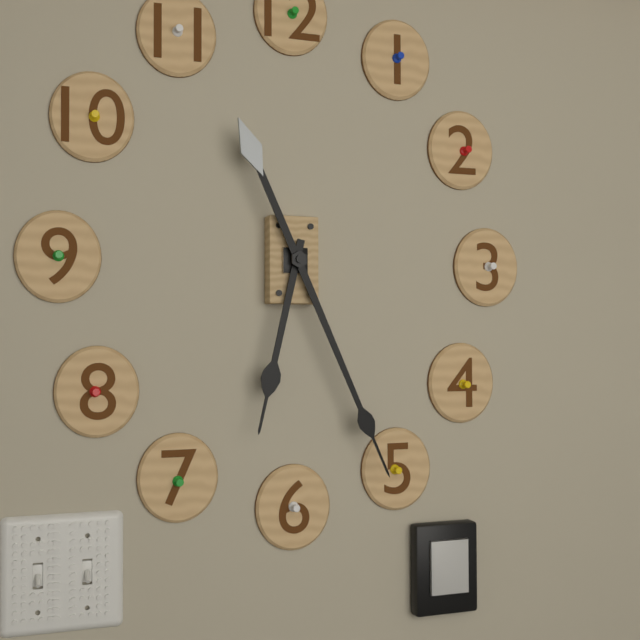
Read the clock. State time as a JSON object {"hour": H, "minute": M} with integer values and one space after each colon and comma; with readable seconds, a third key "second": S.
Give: {"hour": 6, "minute": 26}
